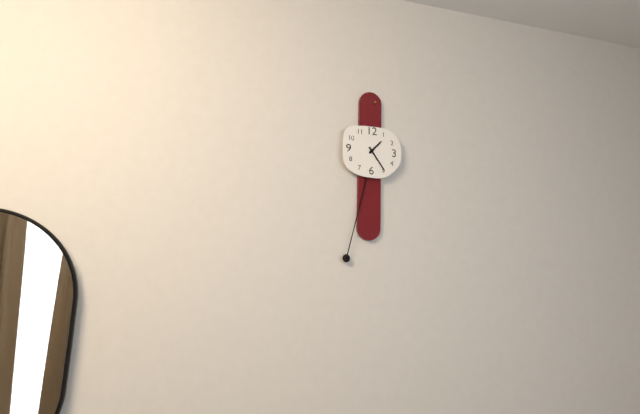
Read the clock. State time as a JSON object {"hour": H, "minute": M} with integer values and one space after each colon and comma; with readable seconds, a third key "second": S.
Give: {"hour": 1, "minute": 24}
